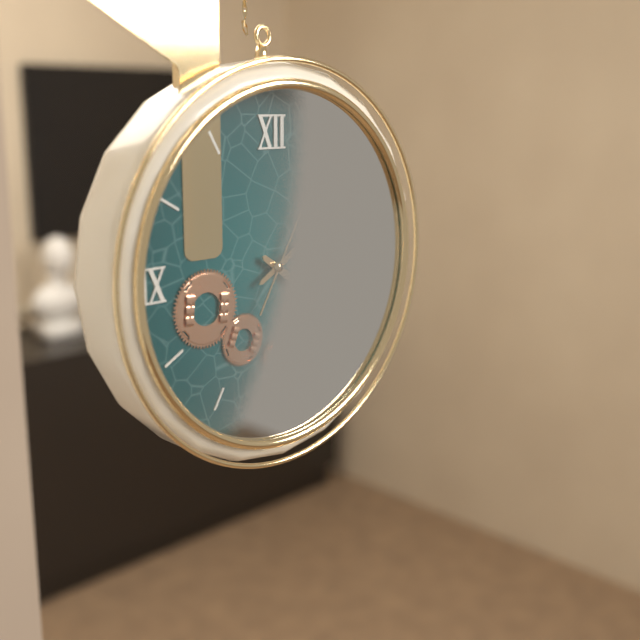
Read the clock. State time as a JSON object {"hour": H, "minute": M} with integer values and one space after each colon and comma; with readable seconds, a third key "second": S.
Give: {"hour": 4, "minute": 10, "second": 5}
